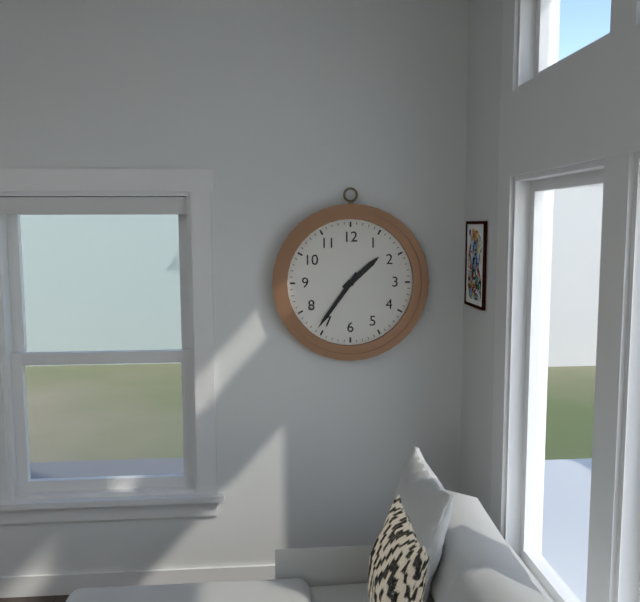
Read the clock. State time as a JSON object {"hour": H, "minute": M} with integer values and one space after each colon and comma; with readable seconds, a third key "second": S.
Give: {"hour": 1, "minute": 36}
